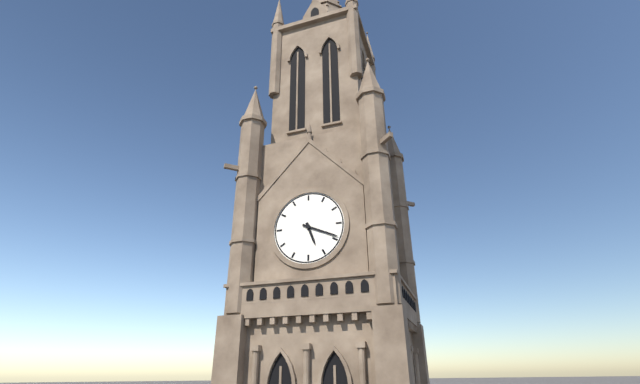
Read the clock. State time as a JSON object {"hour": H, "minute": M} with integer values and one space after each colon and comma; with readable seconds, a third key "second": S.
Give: {"hour": 5, "minute": 19}
